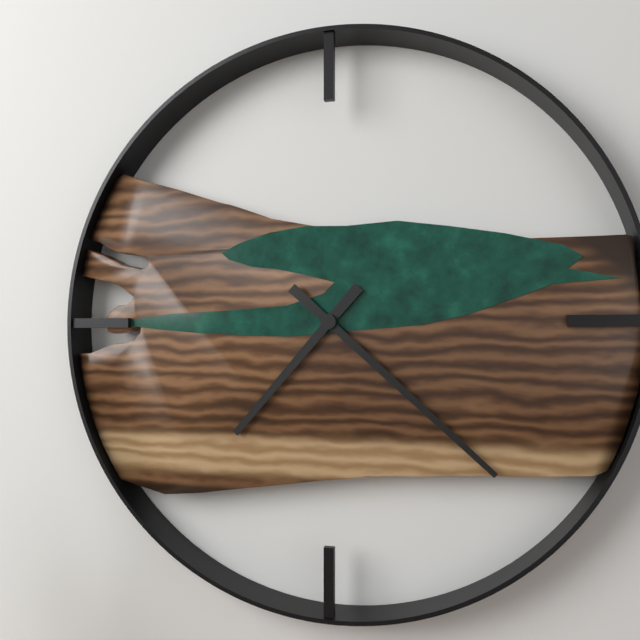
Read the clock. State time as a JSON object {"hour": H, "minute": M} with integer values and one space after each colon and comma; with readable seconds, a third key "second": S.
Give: {"hour": 7, "minute": 22}
